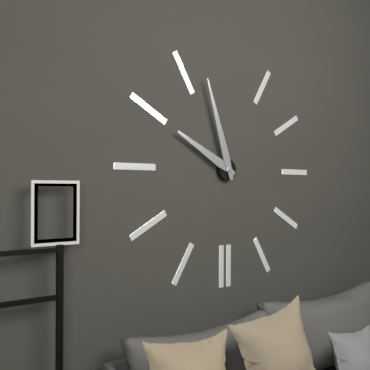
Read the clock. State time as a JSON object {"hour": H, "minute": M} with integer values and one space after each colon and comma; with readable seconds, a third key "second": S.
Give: {"hour": 9, "minute": 57}
